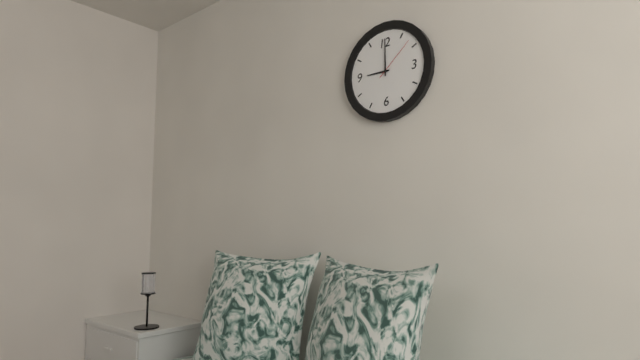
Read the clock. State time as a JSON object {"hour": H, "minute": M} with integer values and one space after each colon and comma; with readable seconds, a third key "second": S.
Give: {"hour": 9, "minute": 0}
